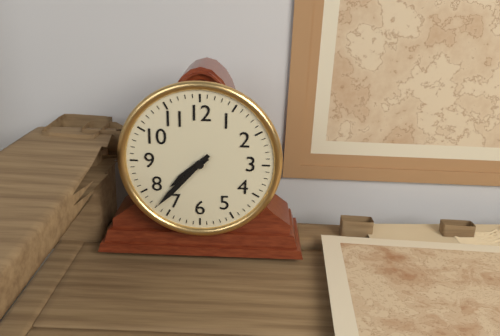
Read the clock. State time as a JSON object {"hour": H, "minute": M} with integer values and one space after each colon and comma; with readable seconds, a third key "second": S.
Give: {"hour": 7, "minute": 37}
